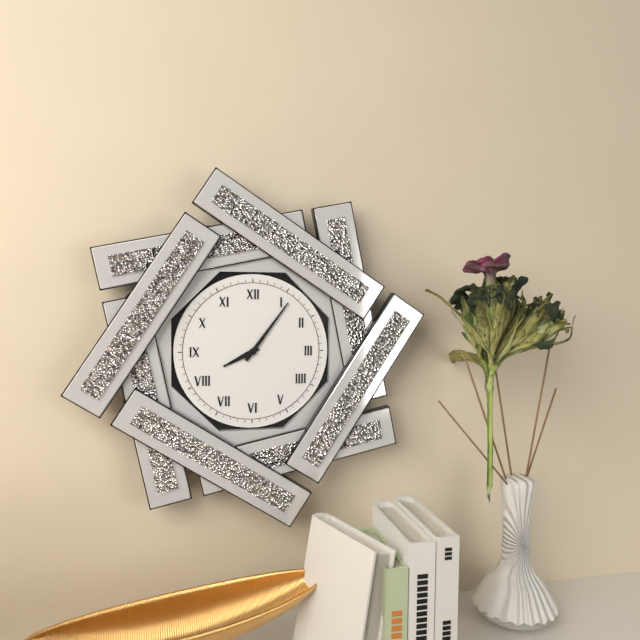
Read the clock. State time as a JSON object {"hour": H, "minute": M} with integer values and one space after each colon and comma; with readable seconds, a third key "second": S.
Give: {"hour": 8, "minute": 6}
